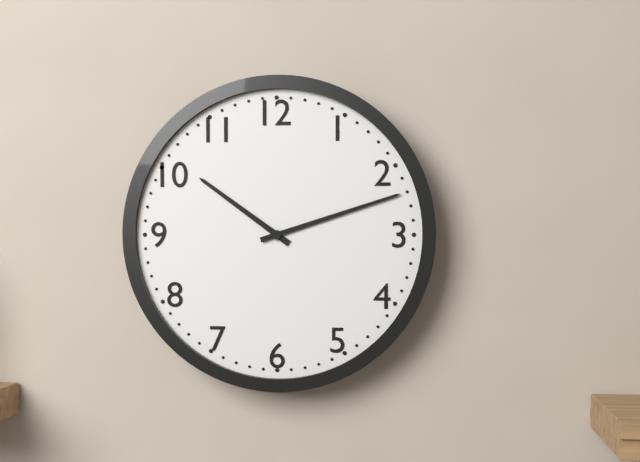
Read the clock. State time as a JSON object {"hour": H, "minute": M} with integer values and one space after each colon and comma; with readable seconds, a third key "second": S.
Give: {"hour": 10, "minute": 12}
